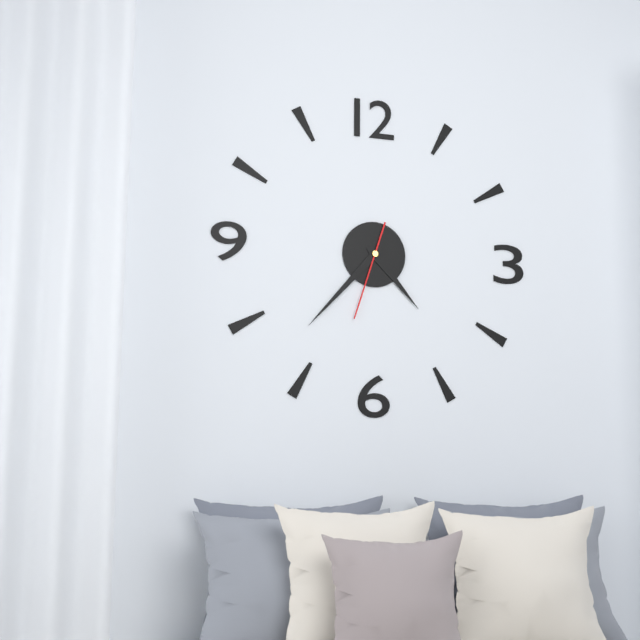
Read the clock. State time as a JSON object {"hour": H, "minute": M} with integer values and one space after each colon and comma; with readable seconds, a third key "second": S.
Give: {"hour": 4, "minute": 37, "second": 33}
